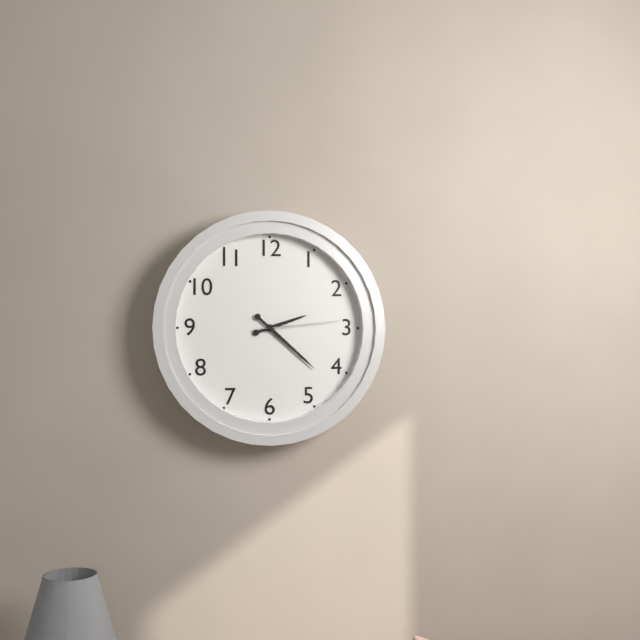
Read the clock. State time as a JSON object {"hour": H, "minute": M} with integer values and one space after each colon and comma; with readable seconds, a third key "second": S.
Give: {"hour": 2, "minute": 22, "second": 14}
